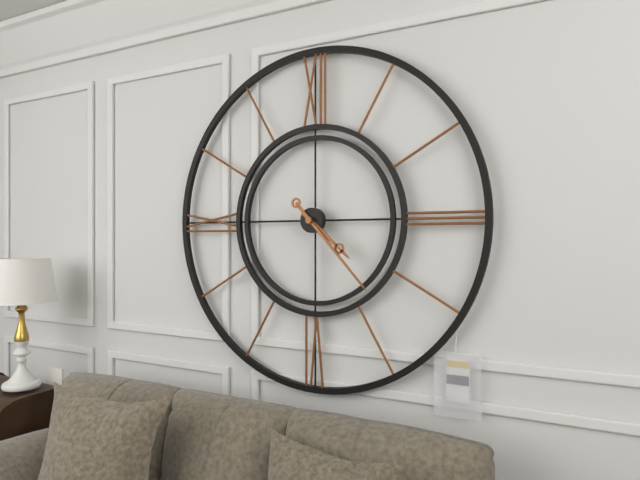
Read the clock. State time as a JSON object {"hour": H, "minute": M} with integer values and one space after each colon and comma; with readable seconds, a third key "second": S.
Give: {"hour": 4, "minute": 23}
